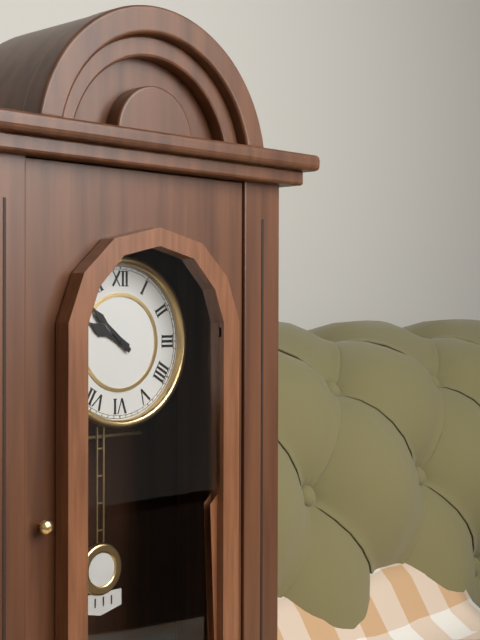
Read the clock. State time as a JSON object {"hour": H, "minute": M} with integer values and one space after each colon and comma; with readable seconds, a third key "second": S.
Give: {"hour": 9, "minute": 52}
